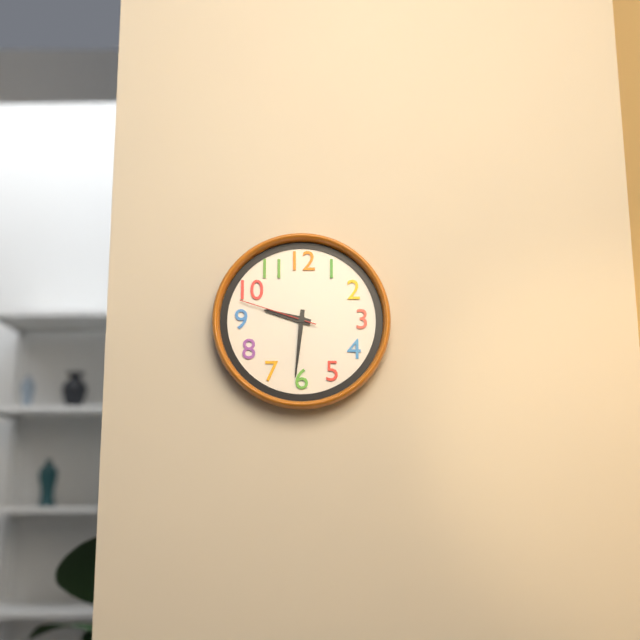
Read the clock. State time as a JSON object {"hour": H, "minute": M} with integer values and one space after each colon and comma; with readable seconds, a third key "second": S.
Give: {"hour": 9, "minute": 31, "second": 48}
